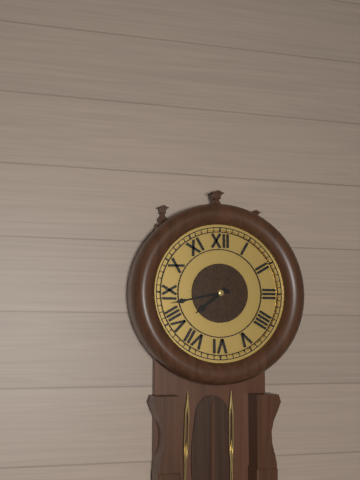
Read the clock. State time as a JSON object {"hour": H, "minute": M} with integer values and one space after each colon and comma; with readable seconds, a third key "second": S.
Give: {"hour": 7, "minute": 43}
